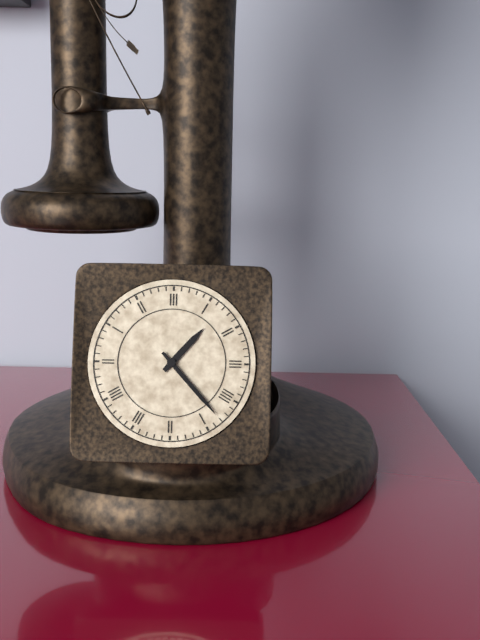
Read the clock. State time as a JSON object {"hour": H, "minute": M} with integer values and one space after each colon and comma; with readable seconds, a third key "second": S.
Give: {"hour": 1, "minute": 23}
